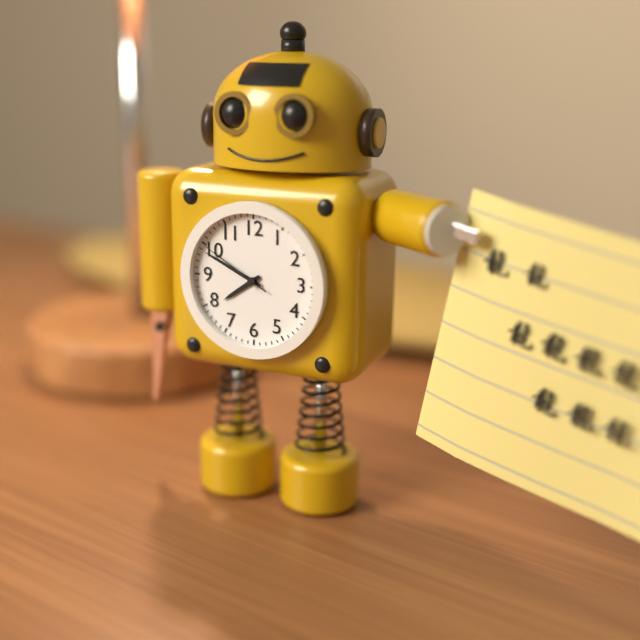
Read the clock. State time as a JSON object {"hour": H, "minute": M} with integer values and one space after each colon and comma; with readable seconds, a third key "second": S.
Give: {"hour": 7, "minute": 49, "second": 50}
